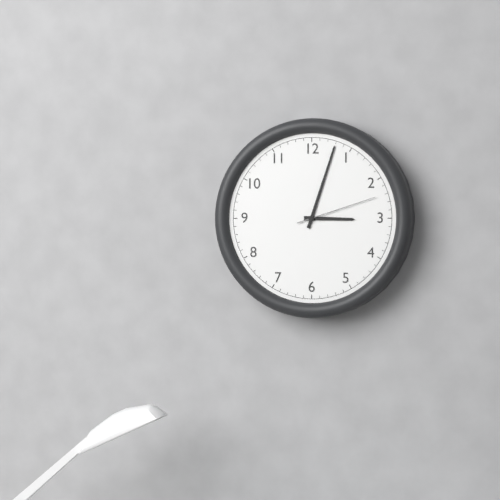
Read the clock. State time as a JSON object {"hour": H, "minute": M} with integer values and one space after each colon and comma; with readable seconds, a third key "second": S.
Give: {"hour": 3, "minute": 3, "second": 12}
